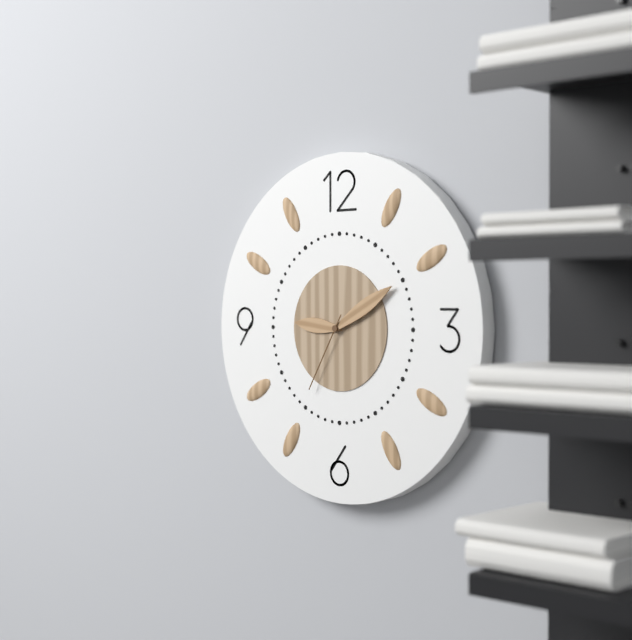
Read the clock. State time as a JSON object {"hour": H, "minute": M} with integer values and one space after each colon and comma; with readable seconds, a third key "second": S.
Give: {"hour": 9, "minute": 10, "second": 35}
